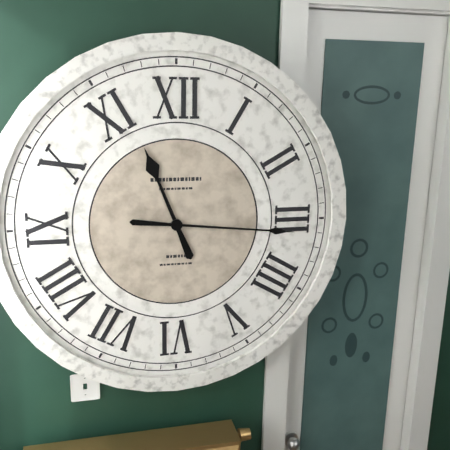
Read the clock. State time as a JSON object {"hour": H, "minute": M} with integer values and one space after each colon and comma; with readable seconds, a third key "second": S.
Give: {"hour": 11, "minute": 16}
